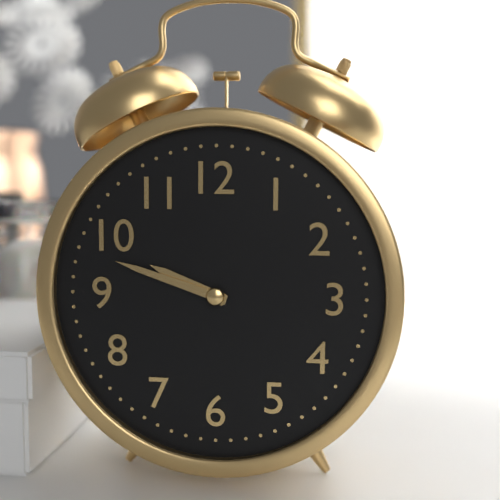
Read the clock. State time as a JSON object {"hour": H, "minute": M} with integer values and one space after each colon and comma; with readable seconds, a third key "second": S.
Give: {"hour": 9, "minute": 48}
